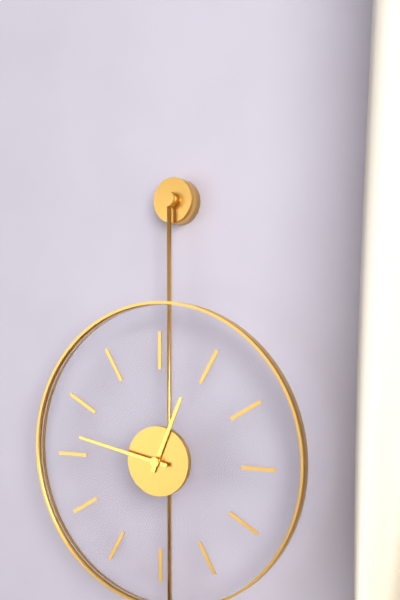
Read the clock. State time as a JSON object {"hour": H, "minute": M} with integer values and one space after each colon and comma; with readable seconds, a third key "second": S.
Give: {"hour": 12, "minute": 47}
